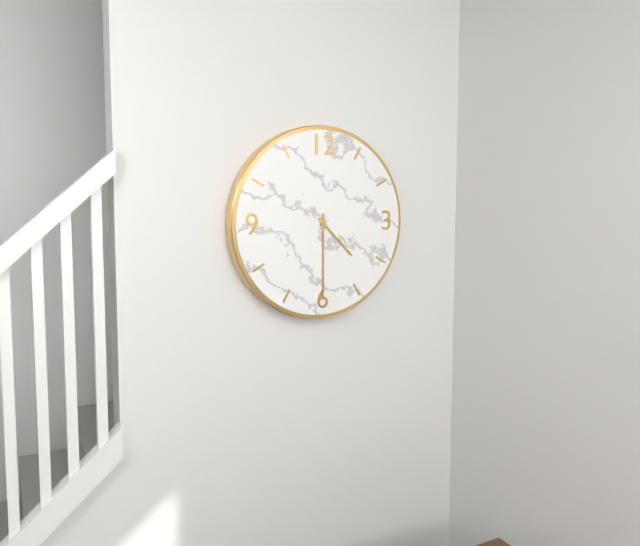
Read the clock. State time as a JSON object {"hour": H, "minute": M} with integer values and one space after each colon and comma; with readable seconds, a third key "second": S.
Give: {"hour": 4, "minute": 30}
